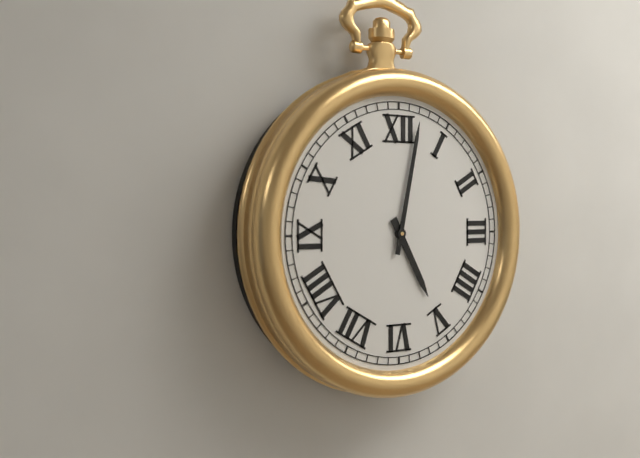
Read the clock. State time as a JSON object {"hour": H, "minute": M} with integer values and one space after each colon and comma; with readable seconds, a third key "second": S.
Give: {"hour": 5, "minute": 2}
